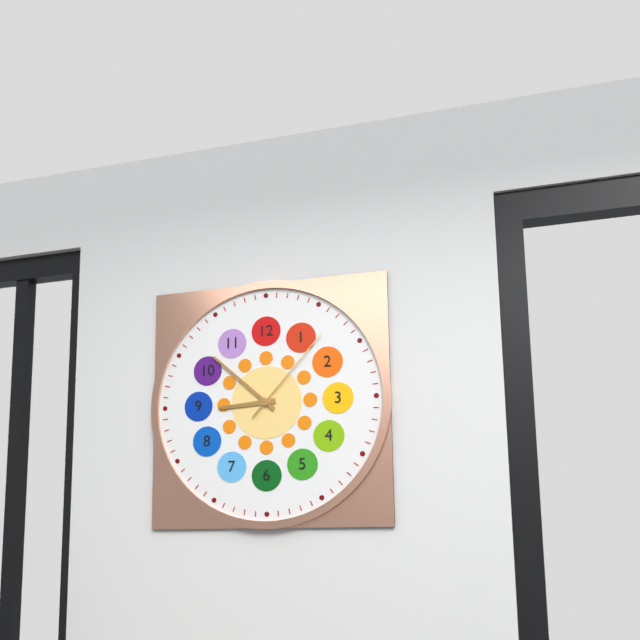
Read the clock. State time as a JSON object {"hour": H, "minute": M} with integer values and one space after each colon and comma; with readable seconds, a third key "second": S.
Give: {"hour": 8, "minute": 52, "second": 7}
